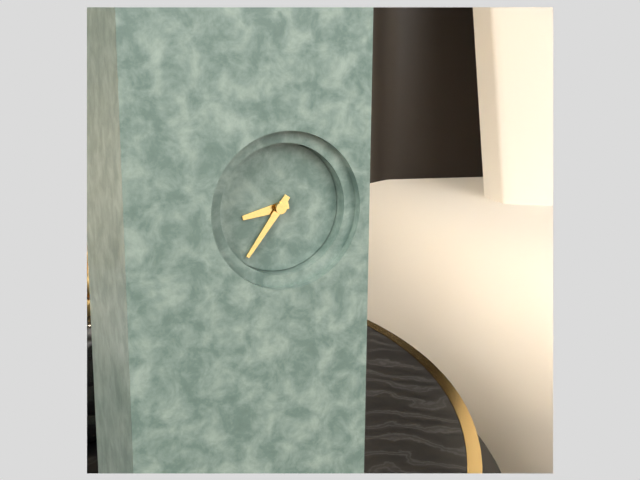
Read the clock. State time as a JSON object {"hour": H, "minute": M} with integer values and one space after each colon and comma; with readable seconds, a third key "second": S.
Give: {"hour": 8, "minute": 36}
